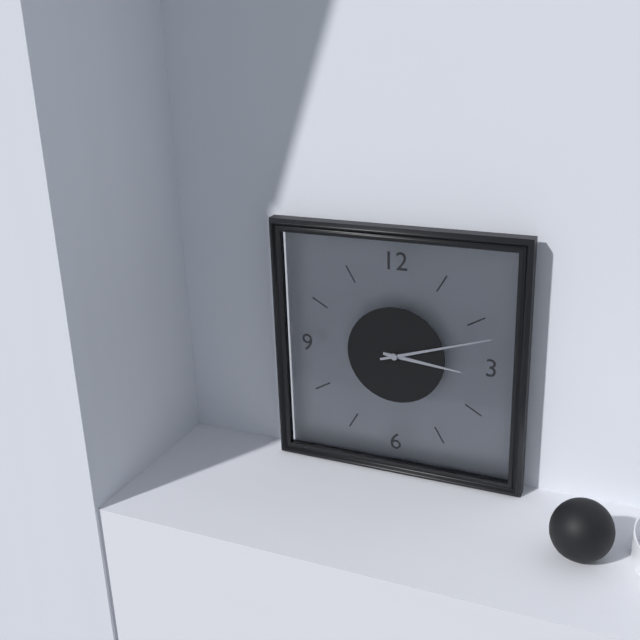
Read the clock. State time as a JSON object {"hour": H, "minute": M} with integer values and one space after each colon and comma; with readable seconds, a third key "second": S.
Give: {"hour": 3, "minute": 12}
